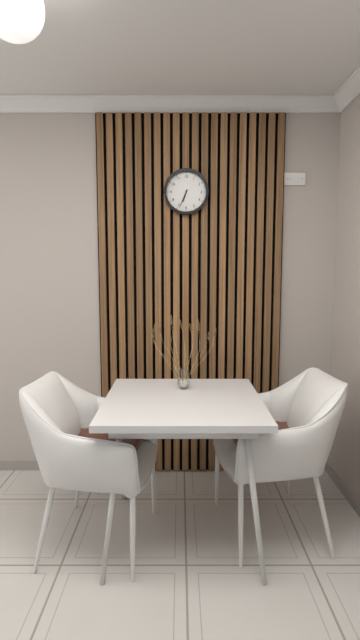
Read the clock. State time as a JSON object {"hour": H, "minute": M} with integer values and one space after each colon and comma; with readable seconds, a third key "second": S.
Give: {"hour": 6, "minute": 34}
